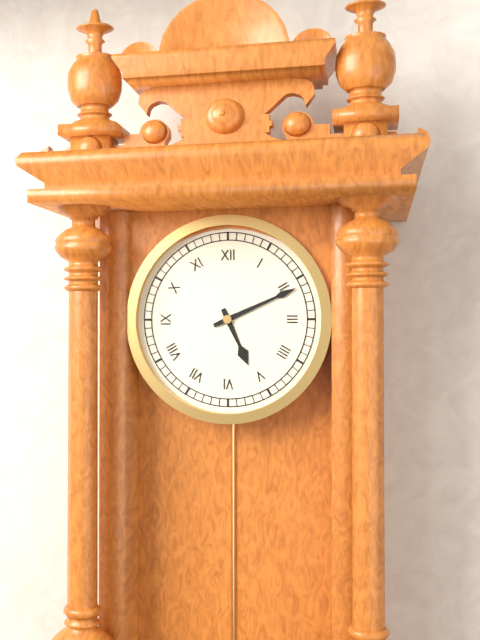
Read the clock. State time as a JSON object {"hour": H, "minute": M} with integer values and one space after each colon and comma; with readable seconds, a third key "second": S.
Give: {"hour": 5, "minute": 11}
